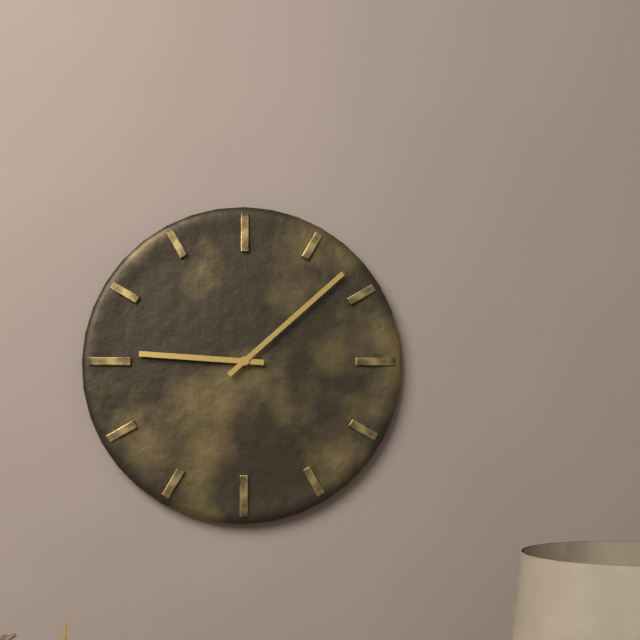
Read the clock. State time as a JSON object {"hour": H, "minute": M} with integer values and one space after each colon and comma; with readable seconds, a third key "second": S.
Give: {"hour": 9, "minute": 8}
